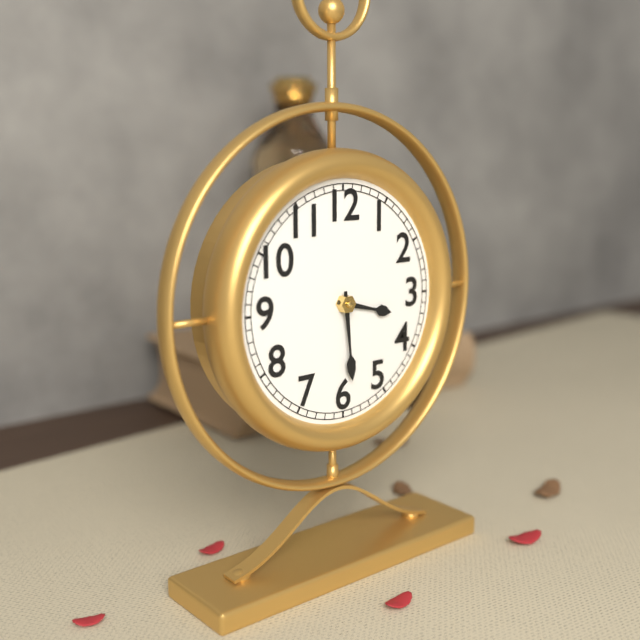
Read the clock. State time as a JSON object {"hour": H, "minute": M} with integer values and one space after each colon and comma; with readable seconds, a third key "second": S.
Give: {"hour": 3, "minute": 29}
